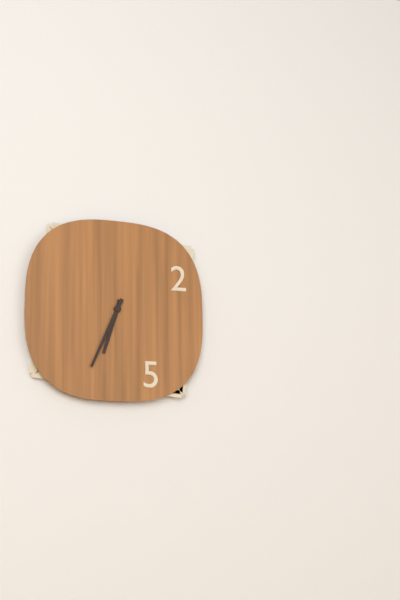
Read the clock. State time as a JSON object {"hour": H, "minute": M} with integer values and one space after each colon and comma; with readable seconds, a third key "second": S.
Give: {"hour": 6, "minute": 34}
